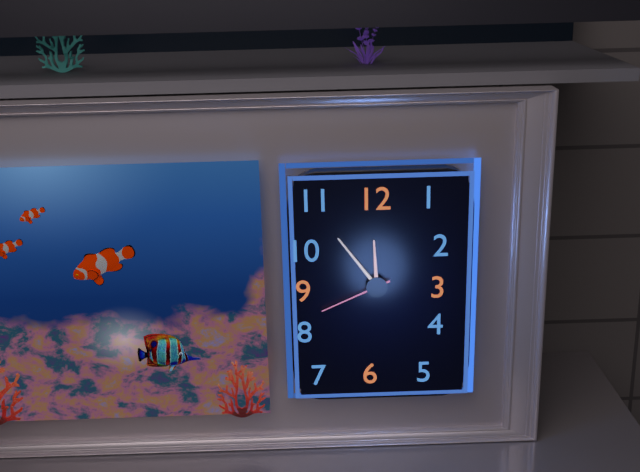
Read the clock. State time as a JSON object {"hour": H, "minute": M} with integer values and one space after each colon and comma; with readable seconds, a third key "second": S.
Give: {"hour": 11, "minute": 54, "second": 41}
